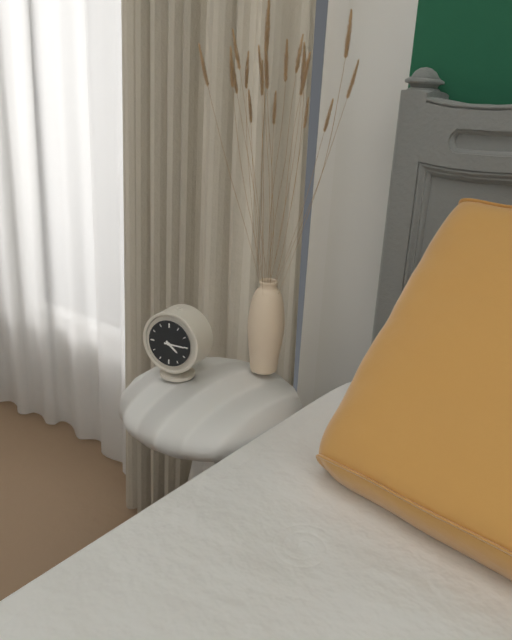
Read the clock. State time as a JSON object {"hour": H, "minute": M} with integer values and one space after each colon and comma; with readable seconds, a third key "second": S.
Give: {"hour": 4, "minute": 15}
